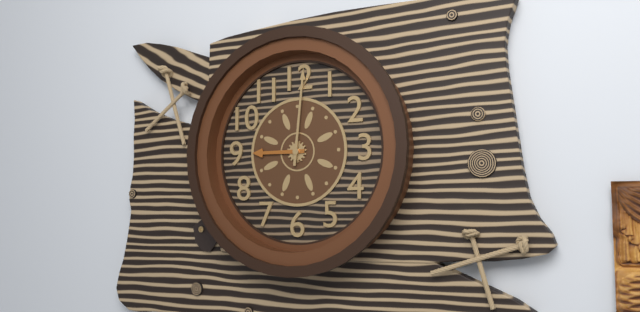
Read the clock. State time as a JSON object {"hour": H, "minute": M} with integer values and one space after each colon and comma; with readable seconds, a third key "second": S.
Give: {"hour": 9, "minute": 1}
